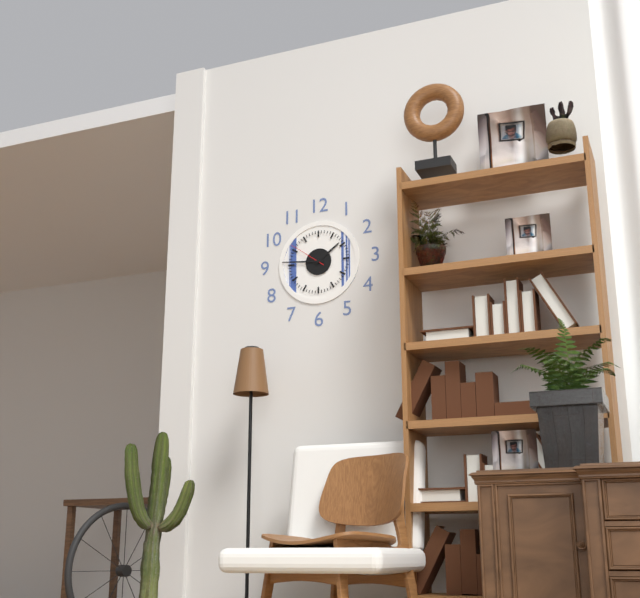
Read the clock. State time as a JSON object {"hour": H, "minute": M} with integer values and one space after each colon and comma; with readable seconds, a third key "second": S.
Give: {"hour": 1, "minute": 46}
